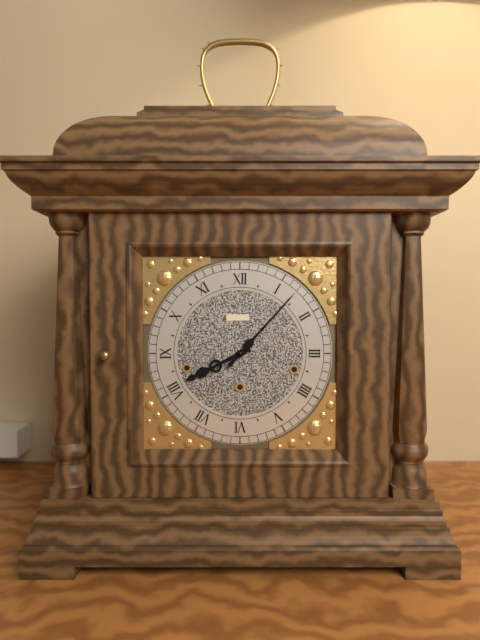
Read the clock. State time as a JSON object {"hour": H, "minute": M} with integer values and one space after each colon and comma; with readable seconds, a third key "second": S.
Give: {"hour": 8, "minute": 7}
